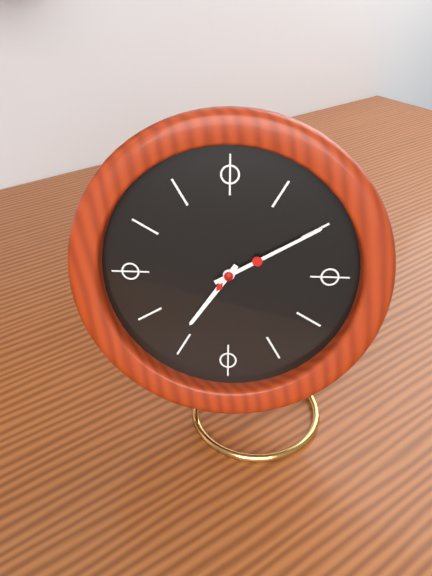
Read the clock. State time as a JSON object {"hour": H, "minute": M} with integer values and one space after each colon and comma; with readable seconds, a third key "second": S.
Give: {"hour": 7, "minute": 10}
